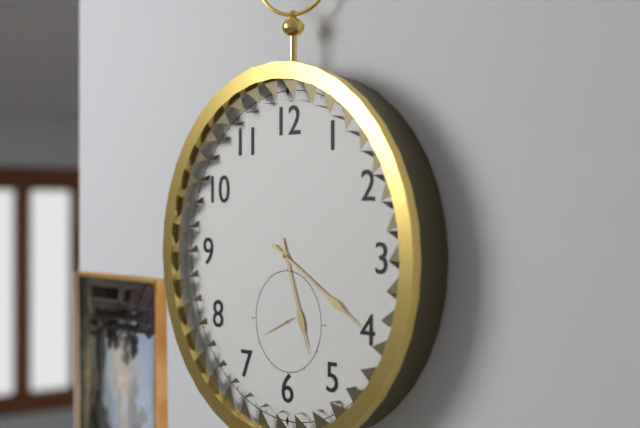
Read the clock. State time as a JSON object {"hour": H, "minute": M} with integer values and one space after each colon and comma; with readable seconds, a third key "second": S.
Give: {"hour": 5, "minute": 20}
